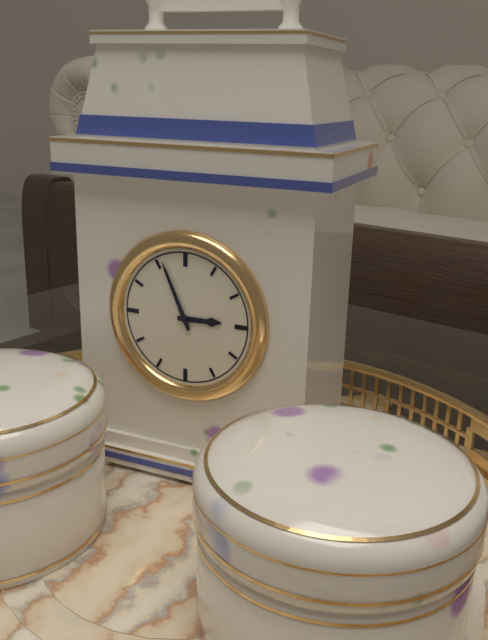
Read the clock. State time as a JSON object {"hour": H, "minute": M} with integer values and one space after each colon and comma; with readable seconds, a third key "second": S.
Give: {"hour": 2, "minute": 56}
